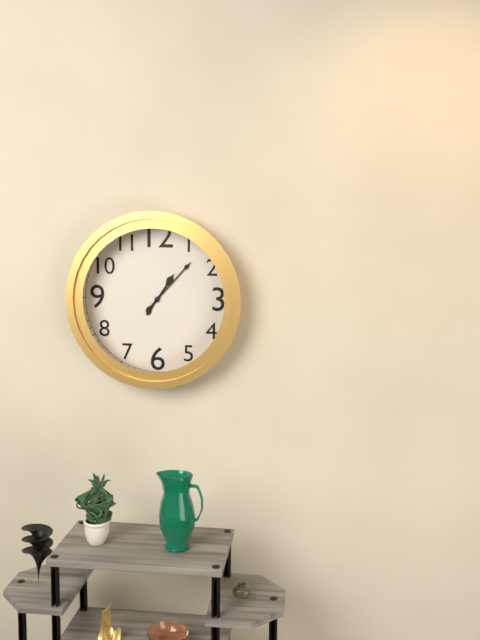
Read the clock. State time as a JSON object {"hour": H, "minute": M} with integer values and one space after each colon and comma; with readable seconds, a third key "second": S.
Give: {"hour": 1, "minute": 7}
